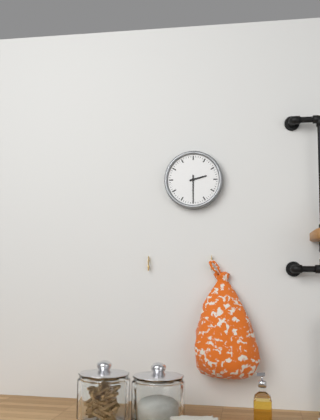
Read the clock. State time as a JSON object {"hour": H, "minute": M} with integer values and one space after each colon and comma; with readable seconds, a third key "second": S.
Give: {"hour": 2, "minute": 30}
